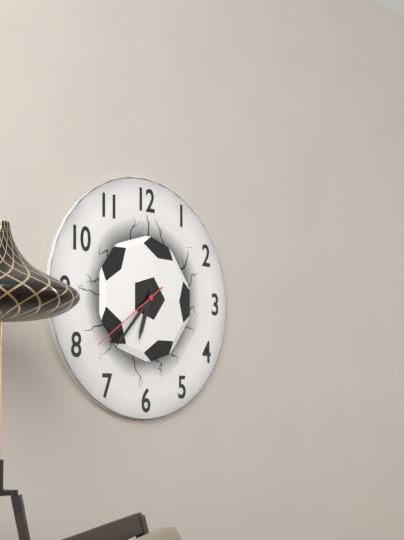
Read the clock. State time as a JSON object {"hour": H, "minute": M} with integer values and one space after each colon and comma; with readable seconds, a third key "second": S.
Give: {"hour": 6, "minute": 37, "second": 39}
